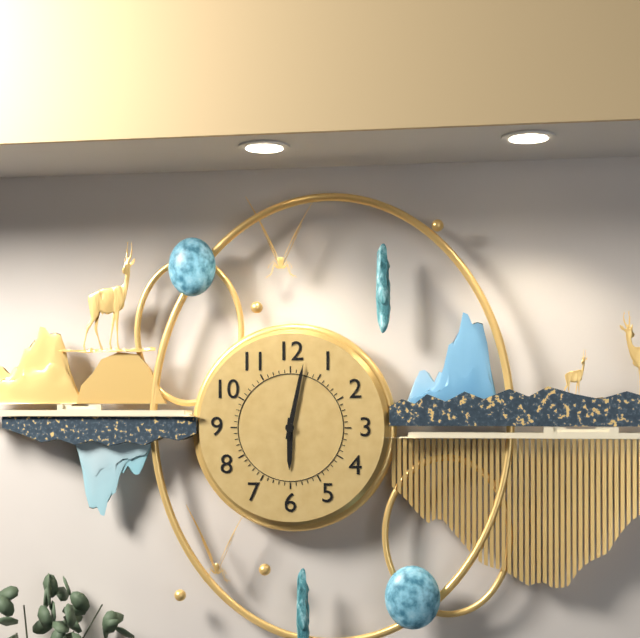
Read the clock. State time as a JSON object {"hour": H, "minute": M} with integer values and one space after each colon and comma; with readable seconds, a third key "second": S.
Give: {"hour": 6, "minute": 2}
